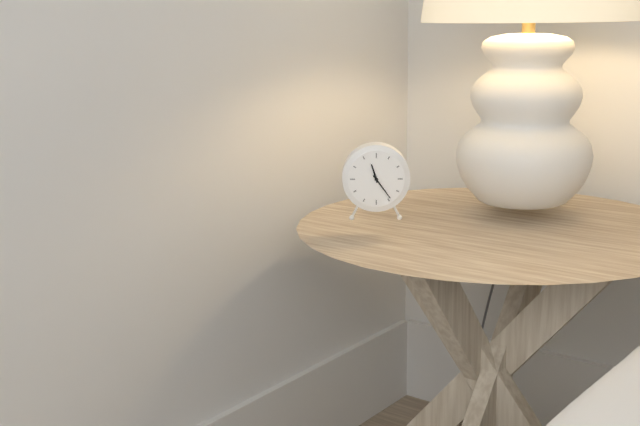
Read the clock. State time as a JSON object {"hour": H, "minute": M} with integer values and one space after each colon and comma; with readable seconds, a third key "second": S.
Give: {"hour": 11, "minute": 24}
